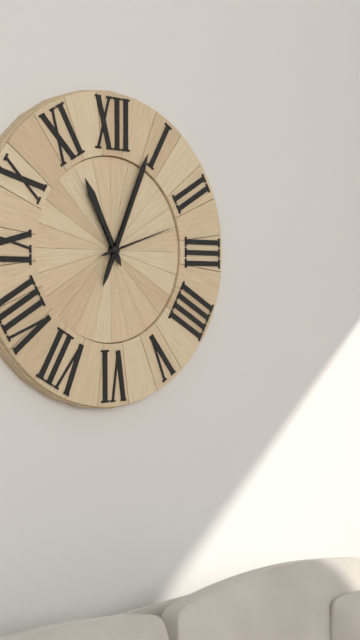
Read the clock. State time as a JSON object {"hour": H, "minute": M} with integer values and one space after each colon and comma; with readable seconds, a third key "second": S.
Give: {"hour": 11, "minute": 4, "second": 12}
